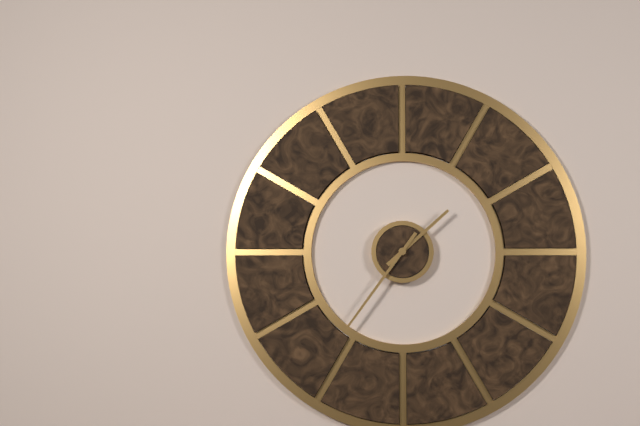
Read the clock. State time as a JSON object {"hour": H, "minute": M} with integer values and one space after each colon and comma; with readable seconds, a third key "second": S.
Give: {"hour": 1, "minute": 36}
